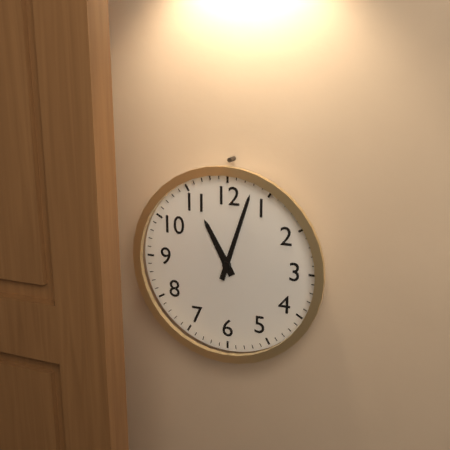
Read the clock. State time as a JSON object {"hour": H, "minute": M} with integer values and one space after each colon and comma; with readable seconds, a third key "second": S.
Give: {"hour": 11, "minute": 3}
